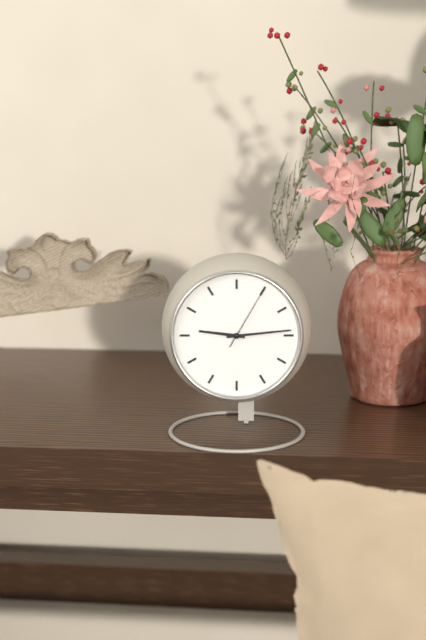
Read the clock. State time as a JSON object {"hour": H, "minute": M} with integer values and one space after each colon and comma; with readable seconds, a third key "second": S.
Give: {"hour": 9, "minute": 14, "second": 5}
